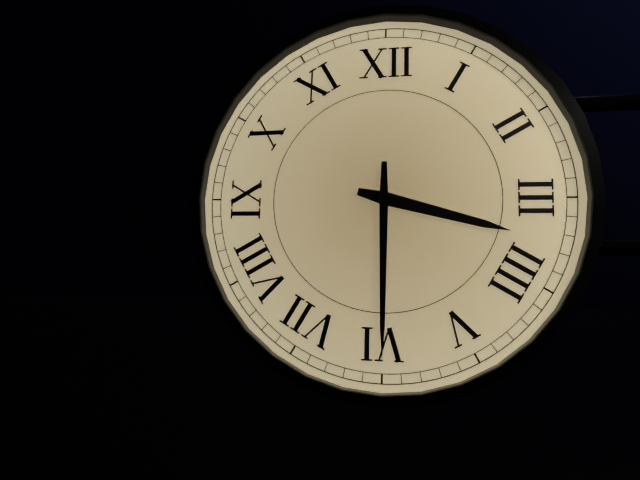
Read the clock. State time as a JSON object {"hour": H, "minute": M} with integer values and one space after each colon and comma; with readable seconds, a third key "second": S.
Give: {"hour": 3, "minute": 30}
